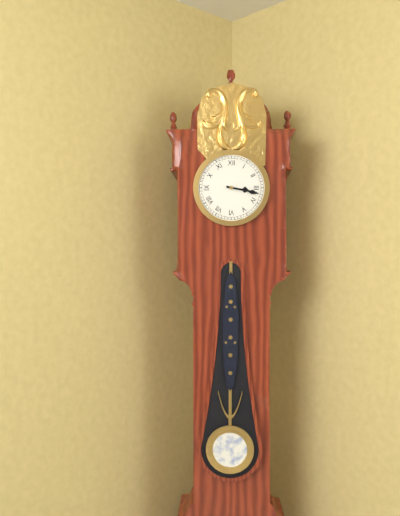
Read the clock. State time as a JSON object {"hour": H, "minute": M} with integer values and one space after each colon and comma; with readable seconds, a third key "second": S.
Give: {"hour": 3, "minute": 17}
